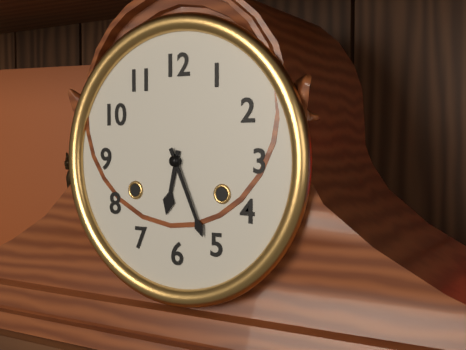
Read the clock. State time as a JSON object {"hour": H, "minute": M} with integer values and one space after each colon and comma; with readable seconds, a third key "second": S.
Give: {"hour": 6, "minute": 26}
